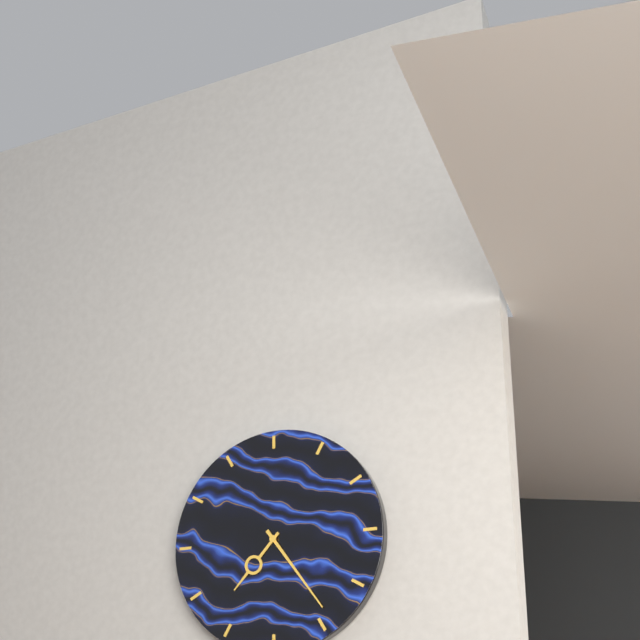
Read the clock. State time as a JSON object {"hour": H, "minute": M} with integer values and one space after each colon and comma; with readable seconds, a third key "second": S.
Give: {"hour": 7, "minute": 24}
